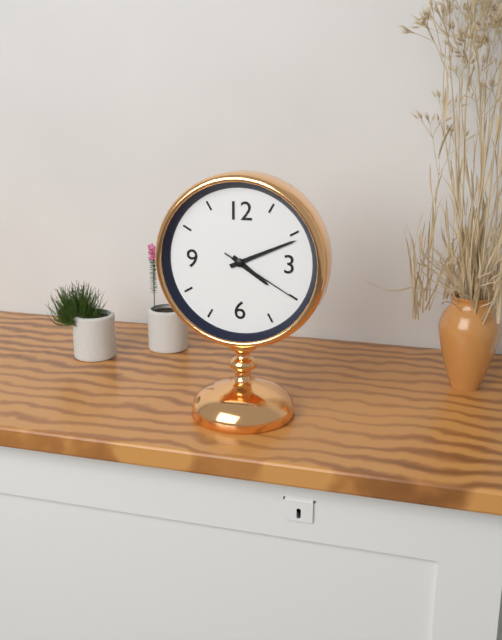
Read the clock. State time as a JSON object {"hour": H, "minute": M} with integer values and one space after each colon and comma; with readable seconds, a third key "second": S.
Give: {"hour": 4, "minute": 11, "second": 20}
